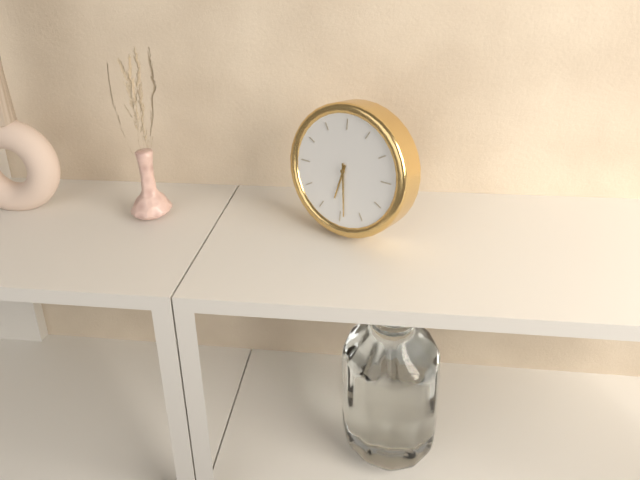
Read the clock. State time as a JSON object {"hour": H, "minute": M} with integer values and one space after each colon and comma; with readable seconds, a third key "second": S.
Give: {"hour": 6, "minute": 29}
